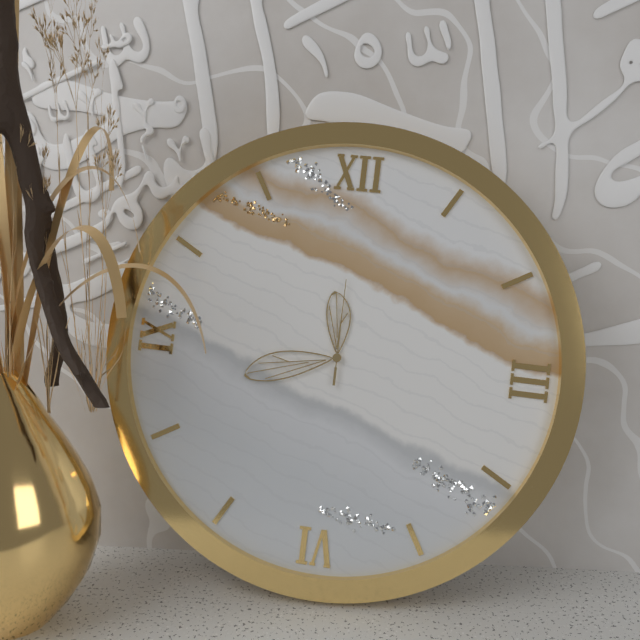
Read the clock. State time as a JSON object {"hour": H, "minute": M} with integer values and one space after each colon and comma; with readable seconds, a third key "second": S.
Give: {"hour": 11, "minute": 42, "second": 0}
